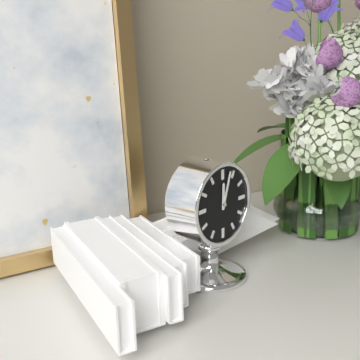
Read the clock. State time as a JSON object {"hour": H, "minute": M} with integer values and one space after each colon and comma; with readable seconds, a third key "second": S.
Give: {"hour": 12, "minute": 3}
